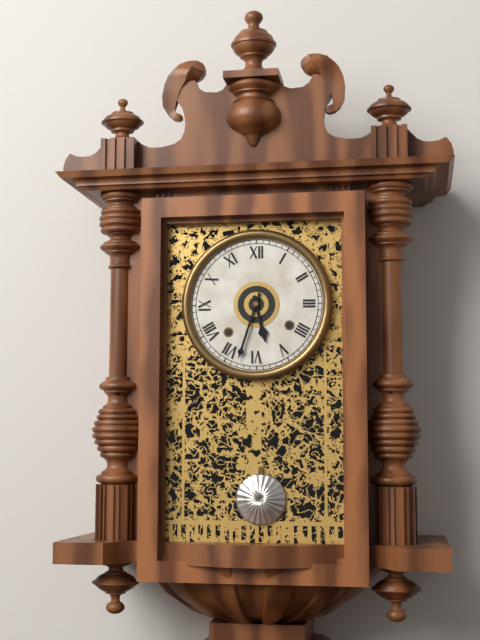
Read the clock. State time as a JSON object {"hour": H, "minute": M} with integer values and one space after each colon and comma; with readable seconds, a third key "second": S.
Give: {"hour": 5, "minute": 33}
